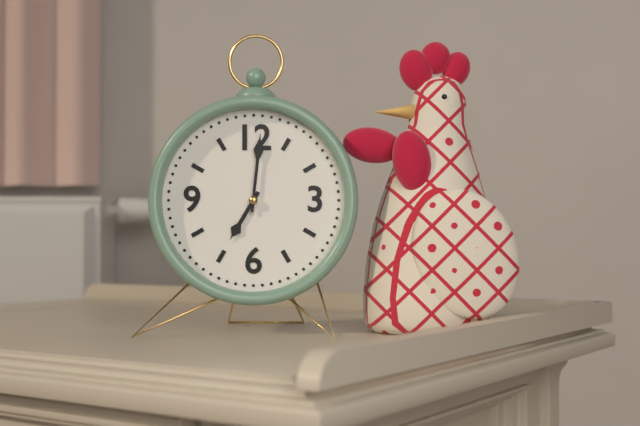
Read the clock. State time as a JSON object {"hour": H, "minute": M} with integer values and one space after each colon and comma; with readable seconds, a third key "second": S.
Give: {"hour": 7, "minute": 1}
